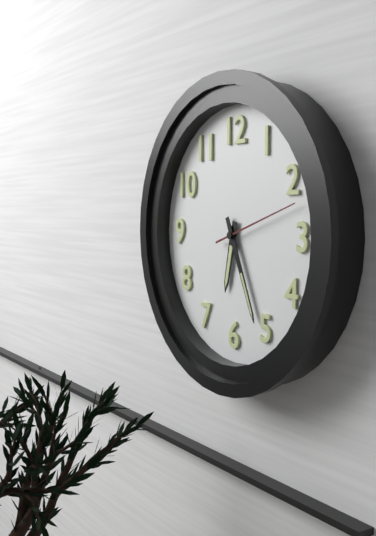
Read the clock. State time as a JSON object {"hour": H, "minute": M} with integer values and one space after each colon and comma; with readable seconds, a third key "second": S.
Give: {"hour": 6, "minute": 26, "second": 12}
